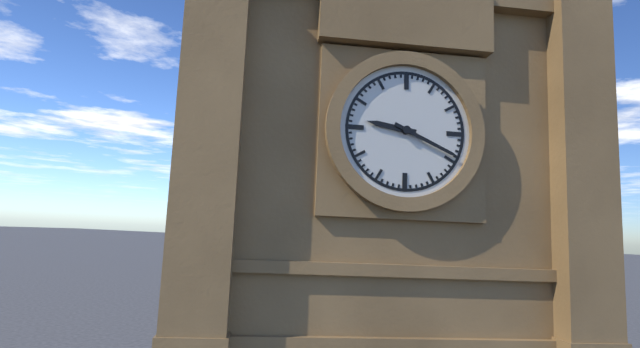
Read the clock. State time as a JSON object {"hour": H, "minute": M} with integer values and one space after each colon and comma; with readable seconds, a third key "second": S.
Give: {"hour": 9, "minute": 19}
